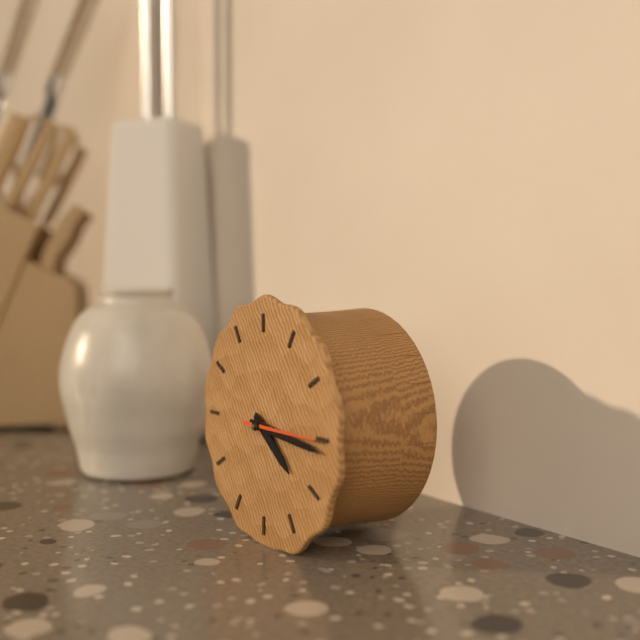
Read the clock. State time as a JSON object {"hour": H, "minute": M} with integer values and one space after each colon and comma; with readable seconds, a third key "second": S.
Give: {"hour": 4, "minute": 16, "second": 15}
